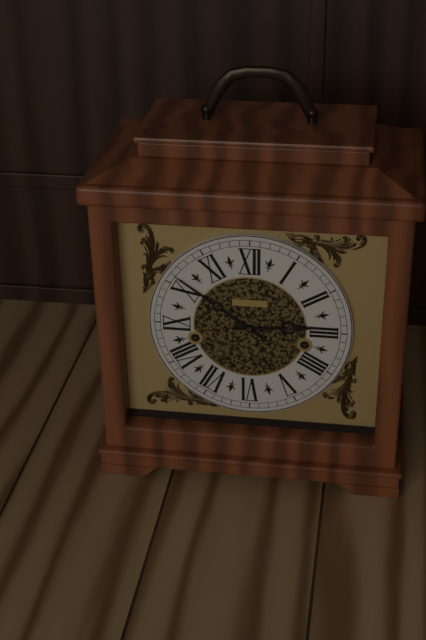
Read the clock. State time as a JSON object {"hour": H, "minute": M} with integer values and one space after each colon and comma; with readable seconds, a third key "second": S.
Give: {"hour": 2, "minute": 51}
